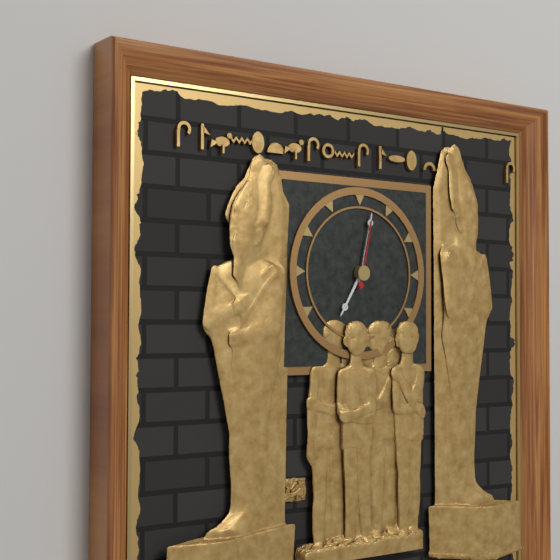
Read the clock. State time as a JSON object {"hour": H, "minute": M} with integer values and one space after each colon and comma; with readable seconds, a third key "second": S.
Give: {"hour": 7, "minute": 2, "second": 2}
